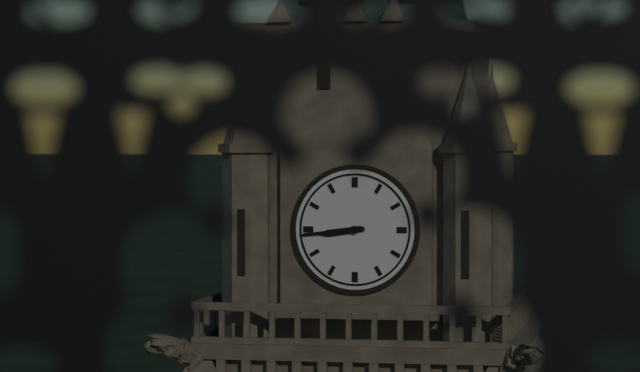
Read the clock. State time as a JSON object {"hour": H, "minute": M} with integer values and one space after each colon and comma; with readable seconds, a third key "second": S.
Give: {"hour": 8, "minute": 44}
